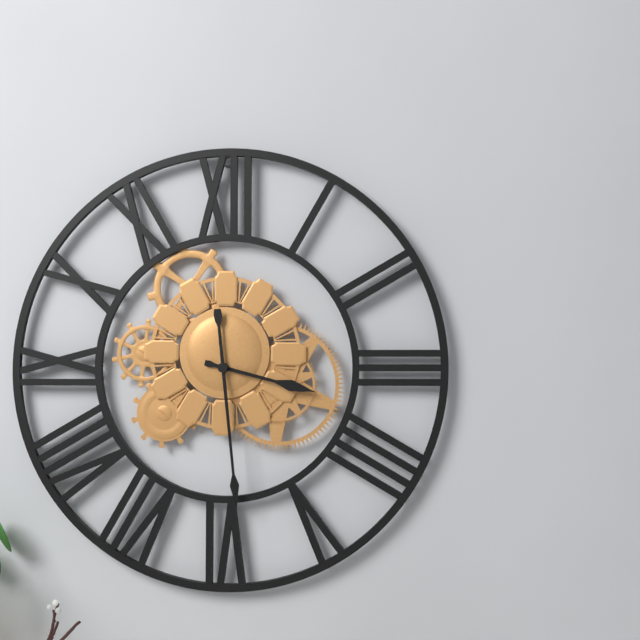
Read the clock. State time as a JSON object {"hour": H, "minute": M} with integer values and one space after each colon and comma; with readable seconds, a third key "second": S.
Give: {"hour": 3, "minute": 29}
